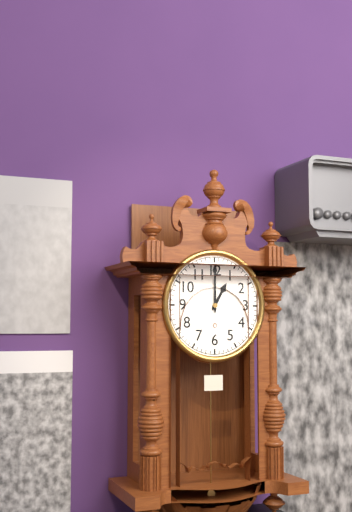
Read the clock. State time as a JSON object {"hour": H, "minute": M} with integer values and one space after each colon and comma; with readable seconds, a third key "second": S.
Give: {"hour": 1, "minute": 0}
